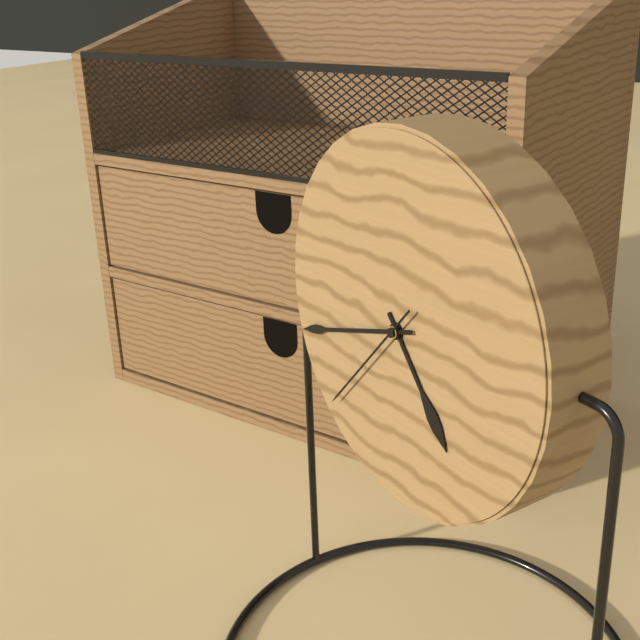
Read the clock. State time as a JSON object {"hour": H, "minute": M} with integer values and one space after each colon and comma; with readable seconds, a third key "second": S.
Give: {"hour": 4, "minute": 42, "second": 37}
